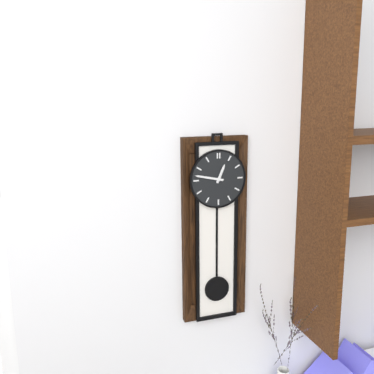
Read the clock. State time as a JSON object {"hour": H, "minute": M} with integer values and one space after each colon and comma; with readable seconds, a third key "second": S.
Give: {"hour": 12, "minute": 47}
